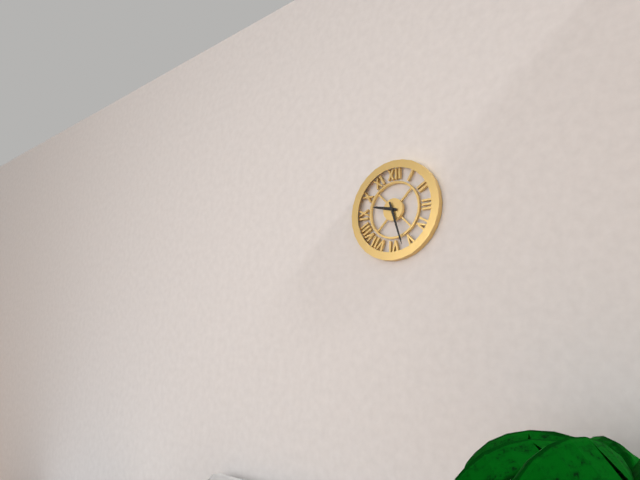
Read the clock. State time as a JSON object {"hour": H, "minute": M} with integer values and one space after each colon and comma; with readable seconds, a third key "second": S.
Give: {"hour": 9, "minute": 27}
